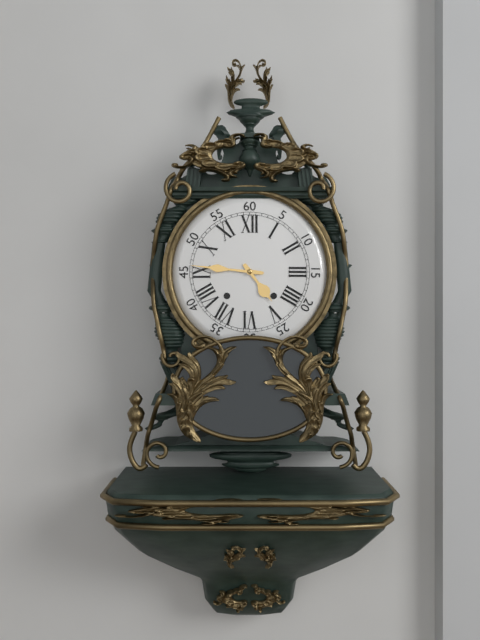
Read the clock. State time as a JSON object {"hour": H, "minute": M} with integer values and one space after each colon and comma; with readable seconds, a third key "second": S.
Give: {"hour": 4, "minute": 46}
